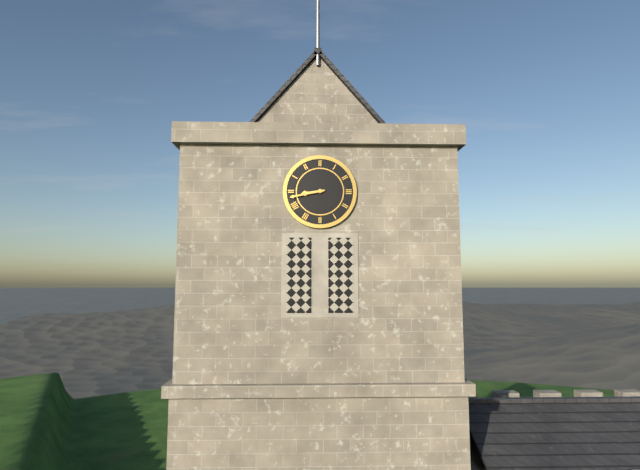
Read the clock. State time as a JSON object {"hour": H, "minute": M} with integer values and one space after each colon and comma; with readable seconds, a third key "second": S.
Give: {"hour": 8, "minute": 43}
